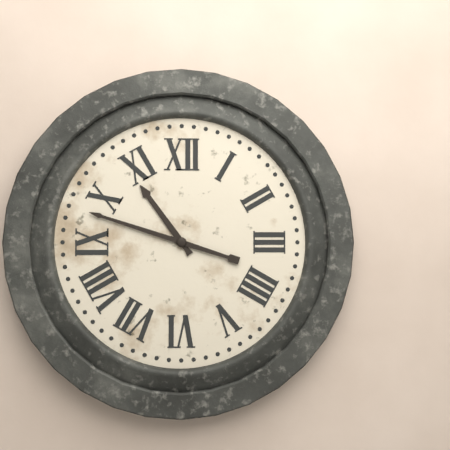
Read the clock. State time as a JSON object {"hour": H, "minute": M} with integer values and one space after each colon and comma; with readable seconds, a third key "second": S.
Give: {"hour": 10, "minute": 48}
